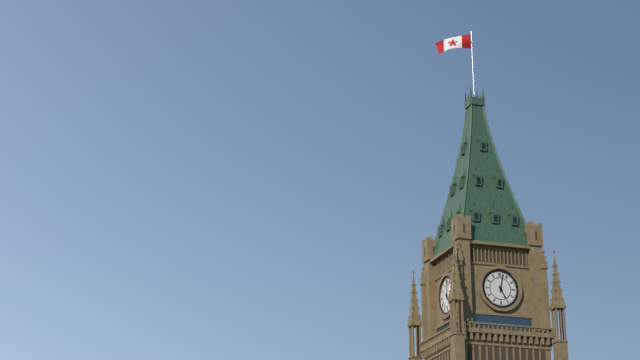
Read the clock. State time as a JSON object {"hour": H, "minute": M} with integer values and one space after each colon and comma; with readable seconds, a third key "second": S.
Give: {"hour": 5, "minute": 2}
